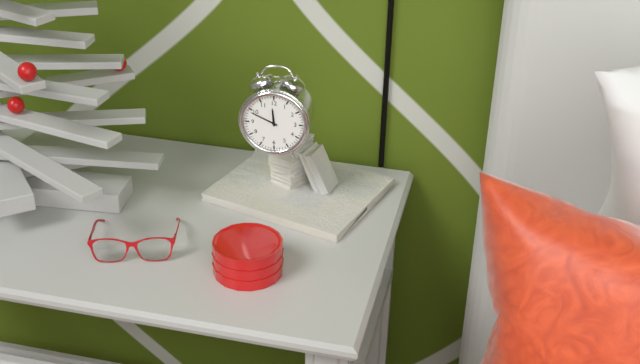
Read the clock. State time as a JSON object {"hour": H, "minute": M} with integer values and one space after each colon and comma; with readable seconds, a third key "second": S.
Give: {"hour": 11, "minute": 49}
